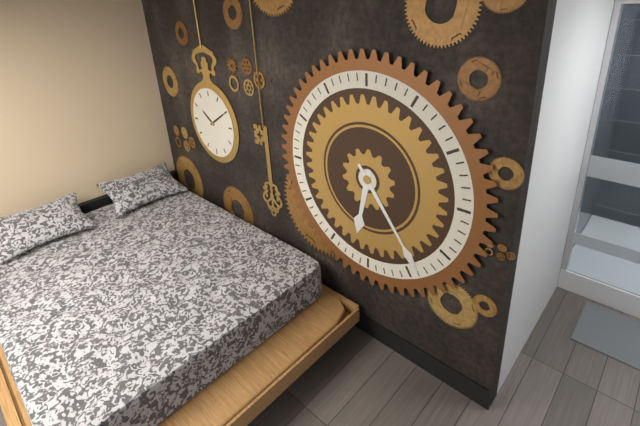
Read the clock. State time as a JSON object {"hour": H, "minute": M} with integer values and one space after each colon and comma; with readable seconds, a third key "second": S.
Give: {"hour": 6, "minute": 24}
